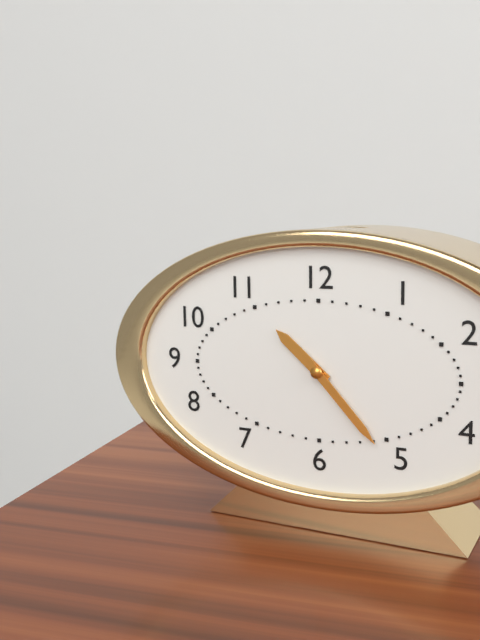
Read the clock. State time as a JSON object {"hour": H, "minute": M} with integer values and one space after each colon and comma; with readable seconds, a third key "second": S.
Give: {"hour": 10, "minute": 23}
